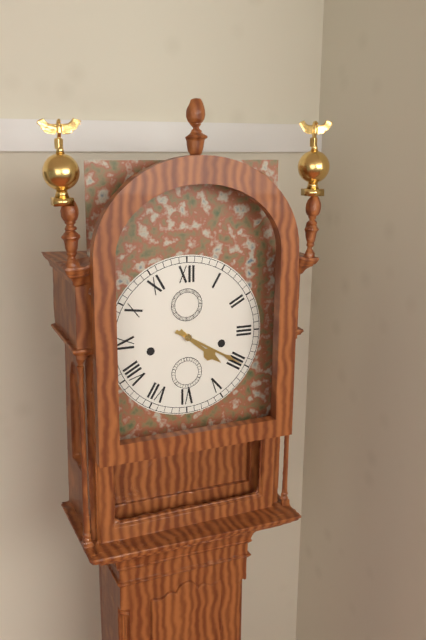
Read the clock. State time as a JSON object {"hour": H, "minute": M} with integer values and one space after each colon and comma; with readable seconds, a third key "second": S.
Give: {"hour": 4, "minute": 20}
